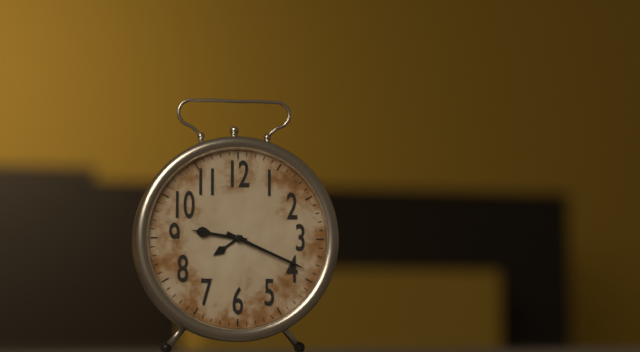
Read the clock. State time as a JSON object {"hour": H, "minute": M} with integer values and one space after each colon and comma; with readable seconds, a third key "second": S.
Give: {"hour": 9, "minute": 19}
